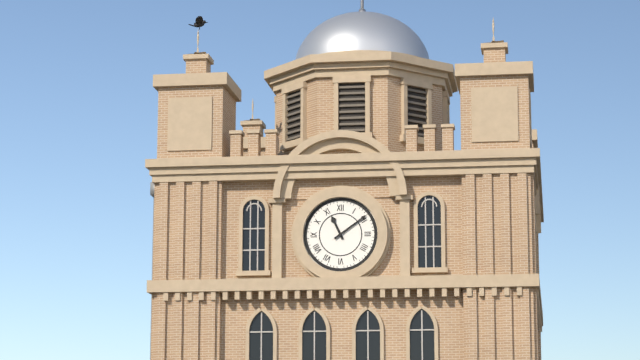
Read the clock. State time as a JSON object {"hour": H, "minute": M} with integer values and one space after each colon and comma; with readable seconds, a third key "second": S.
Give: {"hour": 11, "minute": 9}
